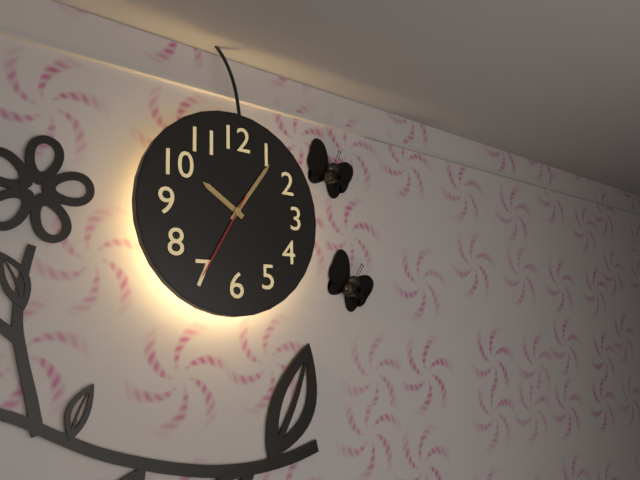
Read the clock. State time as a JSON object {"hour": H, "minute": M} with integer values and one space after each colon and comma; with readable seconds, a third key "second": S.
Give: {"hour": 10, "minute": 6, "second": 35}
